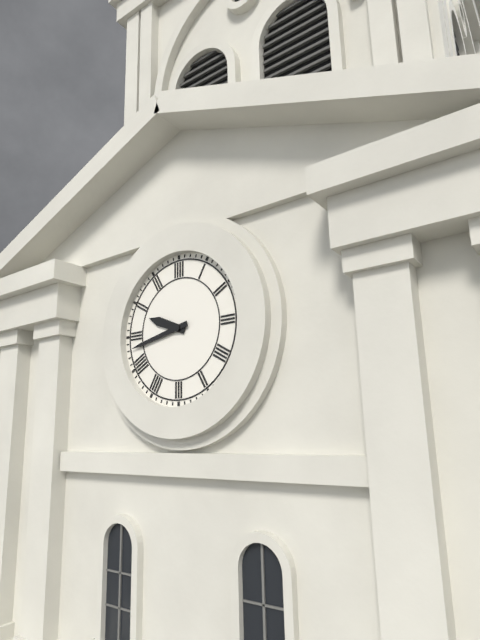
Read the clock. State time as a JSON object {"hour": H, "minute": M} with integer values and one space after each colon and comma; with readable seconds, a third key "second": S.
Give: {"hour": 9, "minute": 43}
